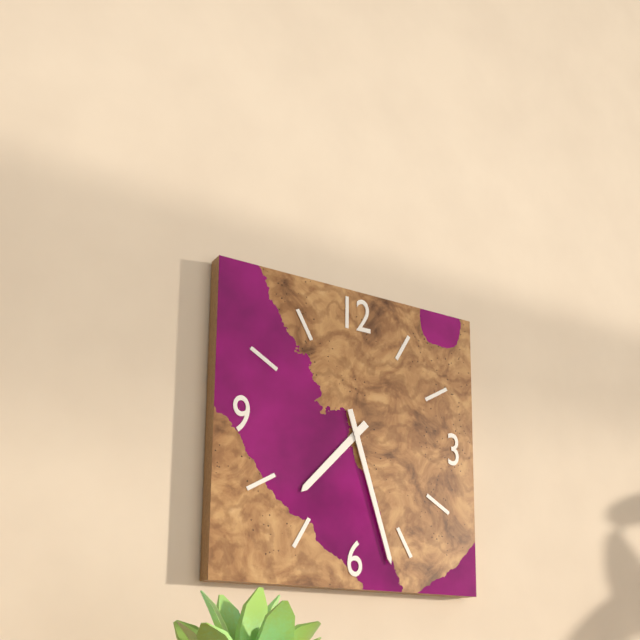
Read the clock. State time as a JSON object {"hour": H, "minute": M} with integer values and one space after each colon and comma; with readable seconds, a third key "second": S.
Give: {"hour": 7, "minute": 27}
